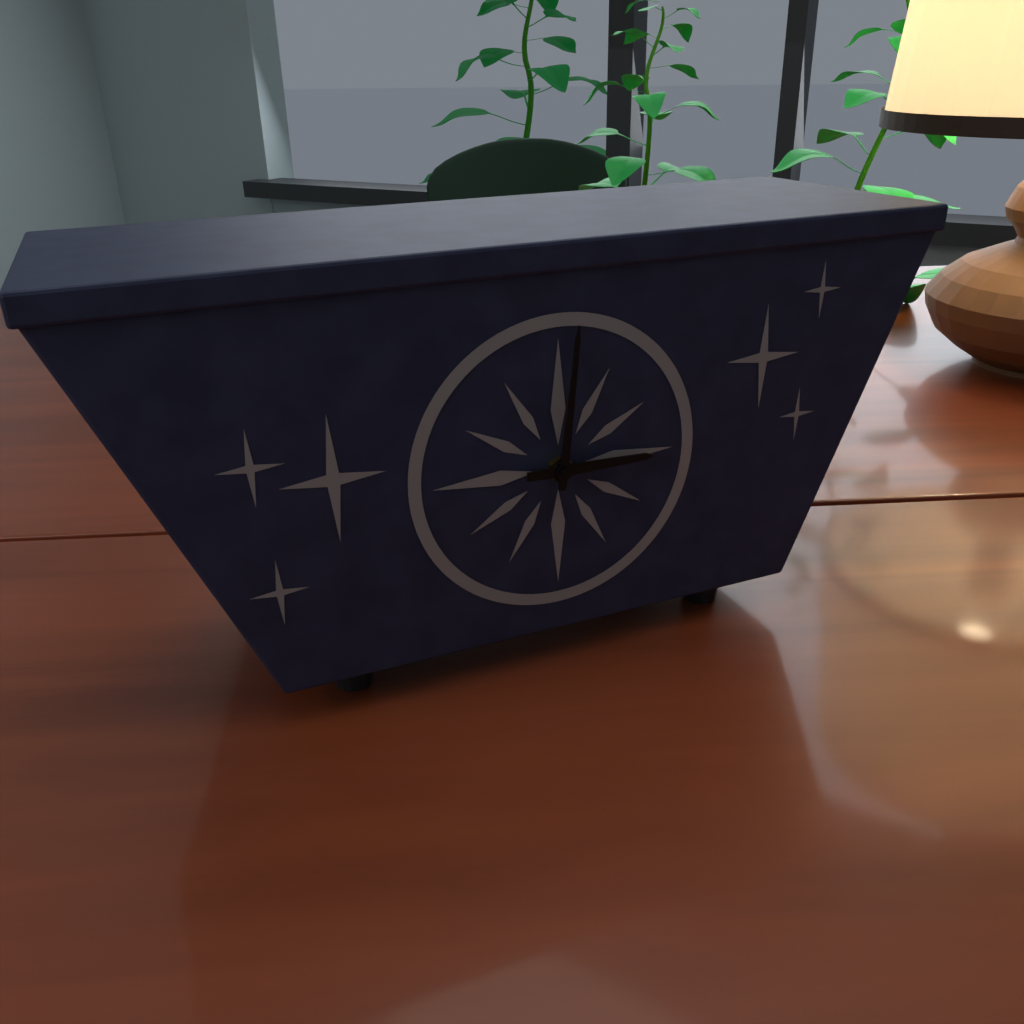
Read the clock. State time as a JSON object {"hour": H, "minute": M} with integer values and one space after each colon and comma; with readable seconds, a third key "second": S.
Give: {"hour": 3, "minute": 1}
